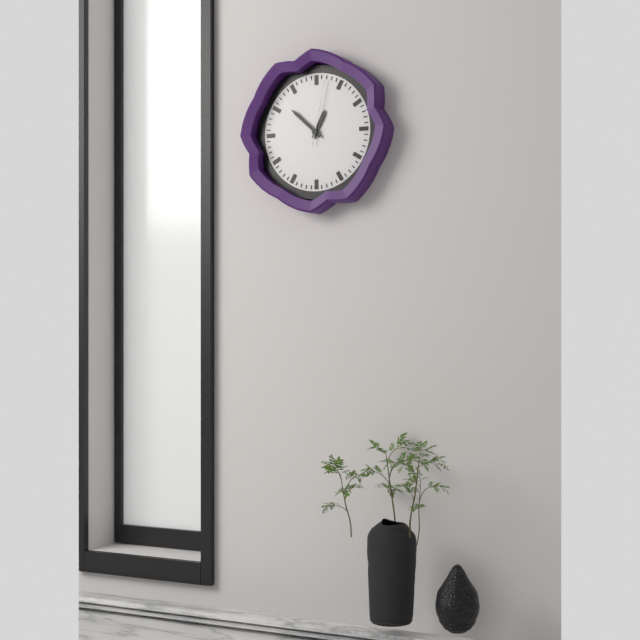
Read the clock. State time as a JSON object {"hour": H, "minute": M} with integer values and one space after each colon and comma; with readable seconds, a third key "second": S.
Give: {"hour": 12, "minute": 52, "second": 2}
